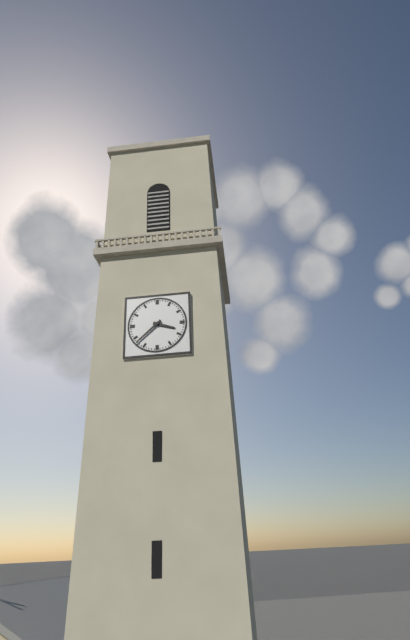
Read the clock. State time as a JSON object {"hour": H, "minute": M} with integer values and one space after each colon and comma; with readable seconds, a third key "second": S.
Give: {"hour": 3, "minute": 38}
